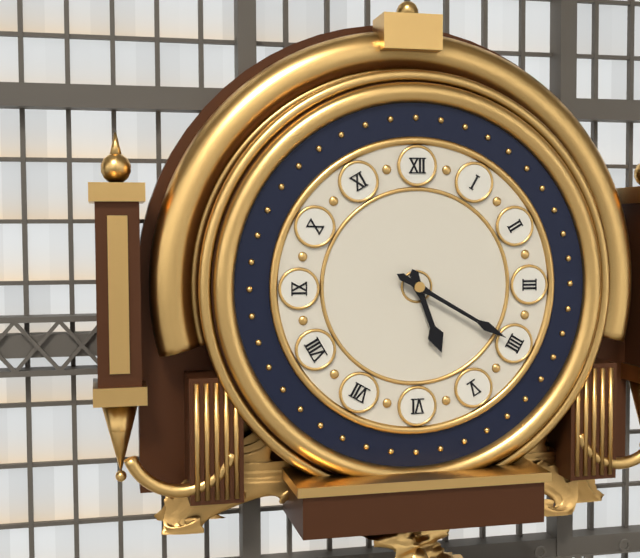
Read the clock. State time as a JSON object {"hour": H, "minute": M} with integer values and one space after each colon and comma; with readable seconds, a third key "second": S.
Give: {"hour": 5, "minute": 20}
